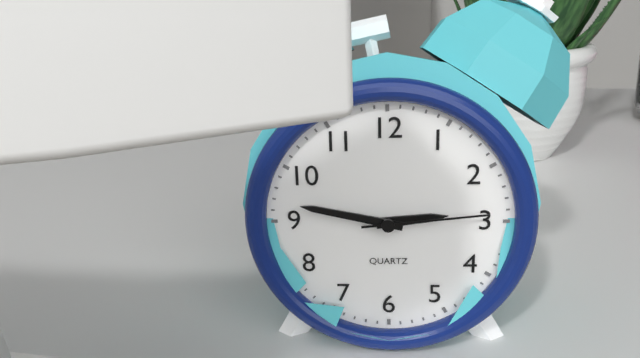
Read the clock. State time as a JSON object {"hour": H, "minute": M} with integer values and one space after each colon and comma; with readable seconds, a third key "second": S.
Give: {"hour": 2, "minute": 47, "second": 14}
